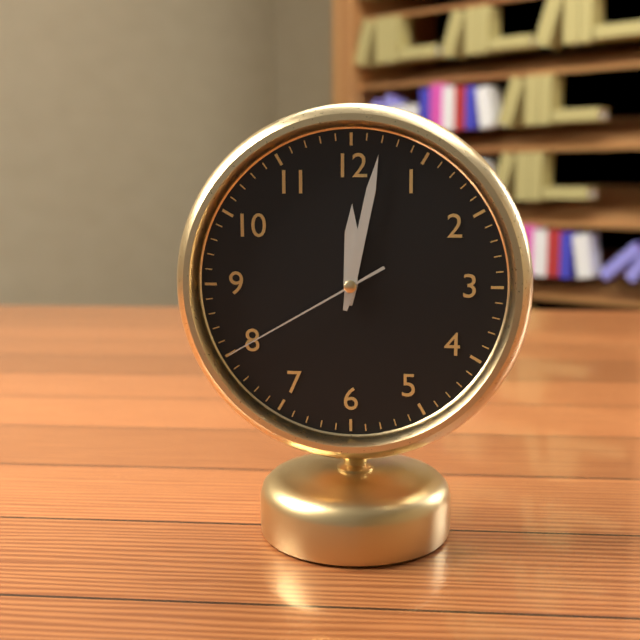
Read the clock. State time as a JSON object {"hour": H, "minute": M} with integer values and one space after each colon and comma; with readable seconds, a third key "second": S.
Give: {"hour": 12, "minute": 2, "second": 40}
